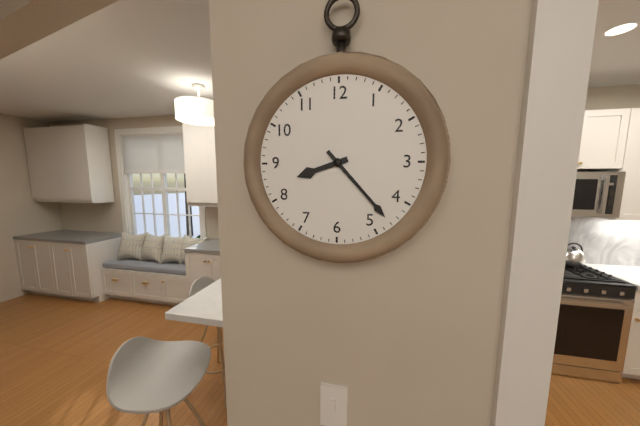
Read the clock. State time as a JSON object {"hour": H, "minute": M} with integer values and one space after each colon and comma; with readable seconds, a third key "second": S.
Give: {"hour": 8, "minute": 23}
